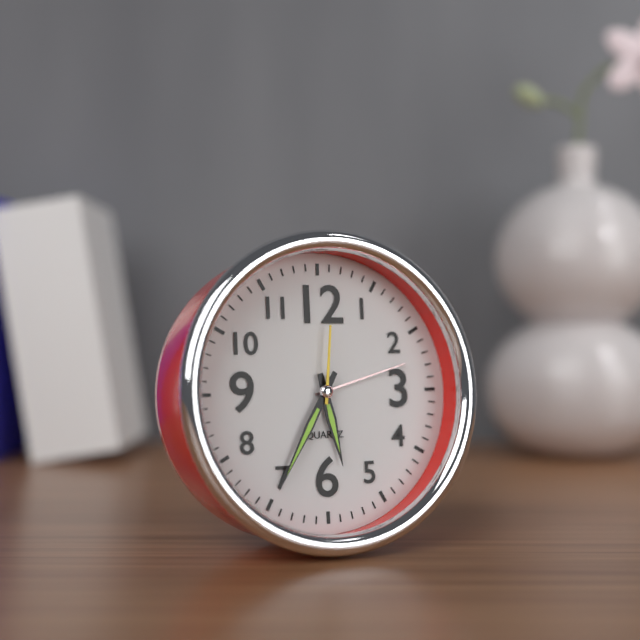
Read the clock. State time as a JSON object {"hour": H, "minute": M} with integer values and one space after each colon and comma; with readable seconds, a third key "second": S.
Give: {"hour": 5, "minute": 35, "second": 1}
